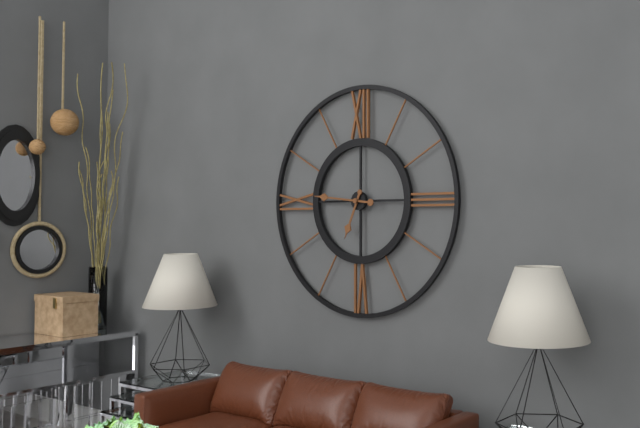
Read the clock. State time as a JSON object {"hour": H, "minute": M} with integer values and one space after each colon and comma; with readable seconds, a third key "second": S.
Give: {"hour": 6, "minute": 46}
